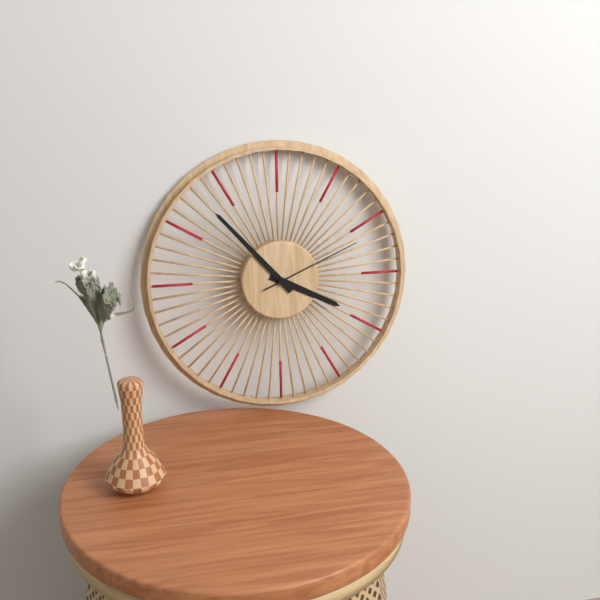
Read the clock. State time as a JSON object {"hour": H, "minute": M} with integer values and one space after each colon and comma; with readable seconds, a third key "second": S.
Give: {"hour": 3, "minute": 53, "second": 11}
